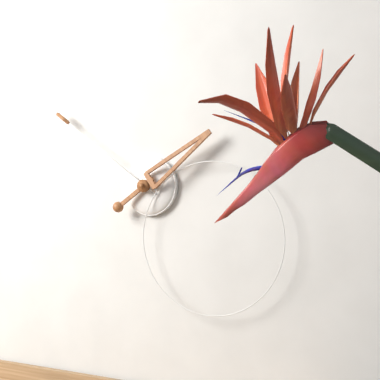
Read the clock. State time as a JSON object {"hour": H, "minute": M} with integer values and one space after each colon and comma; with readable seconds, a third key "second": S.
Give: {"hour": 1, "minute": 51}
